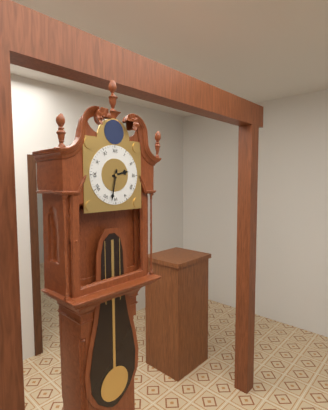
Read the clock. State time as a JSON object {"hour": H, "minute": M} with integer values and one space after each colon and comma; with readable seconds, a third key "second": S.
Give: {"hour": 2, "minute": 32}
